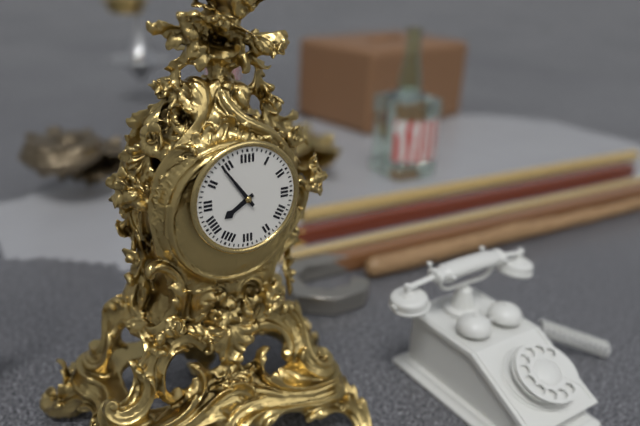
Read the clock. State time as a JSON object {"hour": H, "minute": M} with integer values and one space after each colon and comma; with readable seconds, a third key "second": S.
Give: {"hour": 7, "minute": 54}
